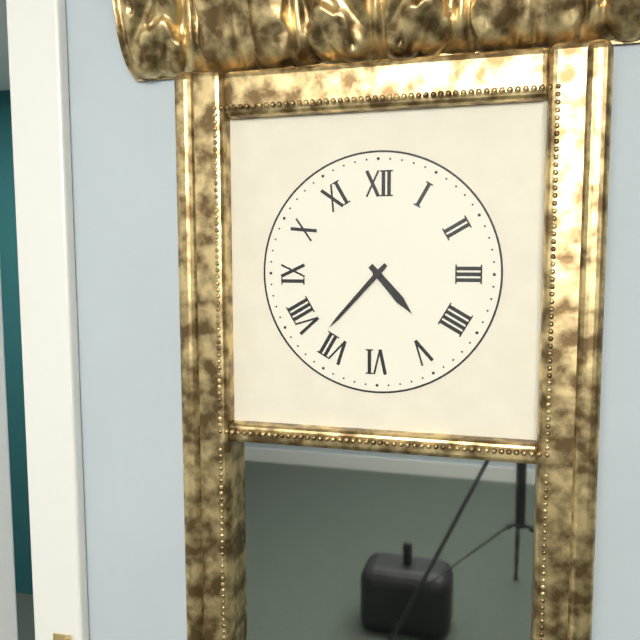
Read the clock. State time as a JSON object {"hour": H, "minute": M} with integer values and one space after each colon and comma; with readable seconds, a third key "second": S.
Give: {"hour": 4, "minute": 37}
